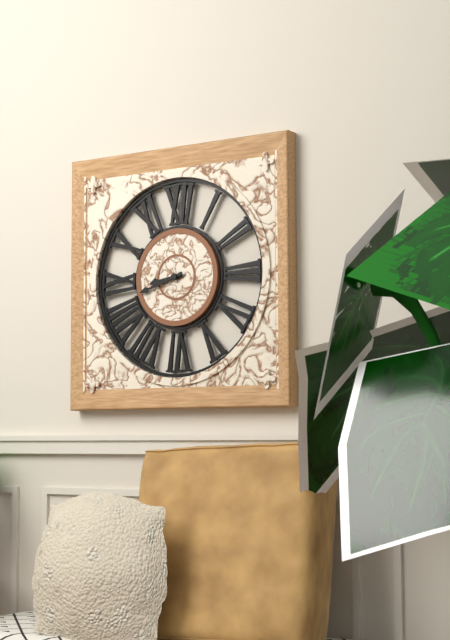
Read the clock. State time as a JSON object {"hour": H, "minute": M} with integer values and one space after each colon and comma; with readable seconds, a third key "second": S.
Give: {"hour": 8, "minute": 42}
